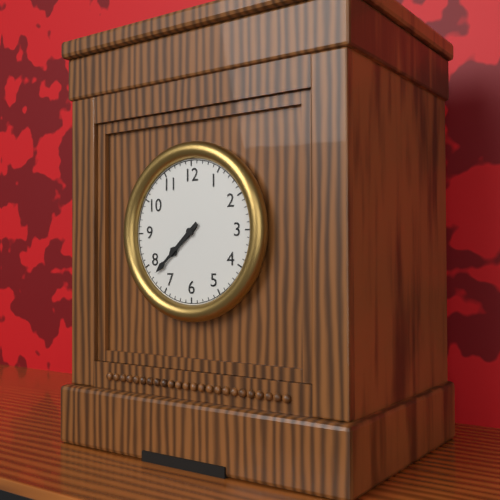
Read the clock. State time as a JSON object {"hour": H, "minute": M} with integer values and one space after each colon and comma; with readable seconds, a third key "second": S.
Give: {"hour": 7, "minute": 38}
